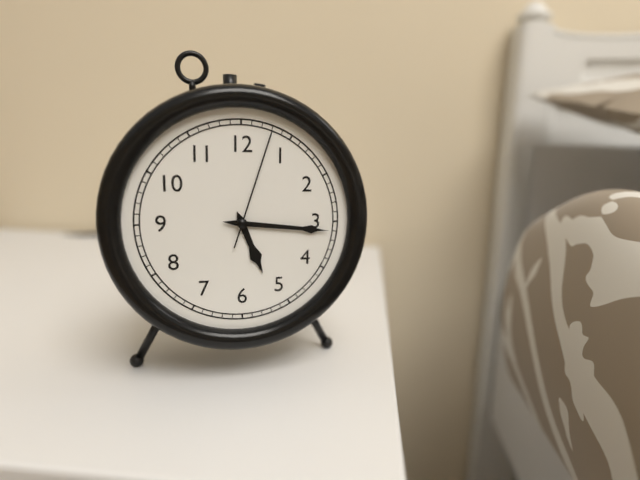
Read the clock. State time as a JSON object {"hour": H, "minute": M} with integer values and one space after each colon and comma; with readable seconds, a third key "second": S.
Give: {"hour": 5, "minute": 16, "second": 3}
